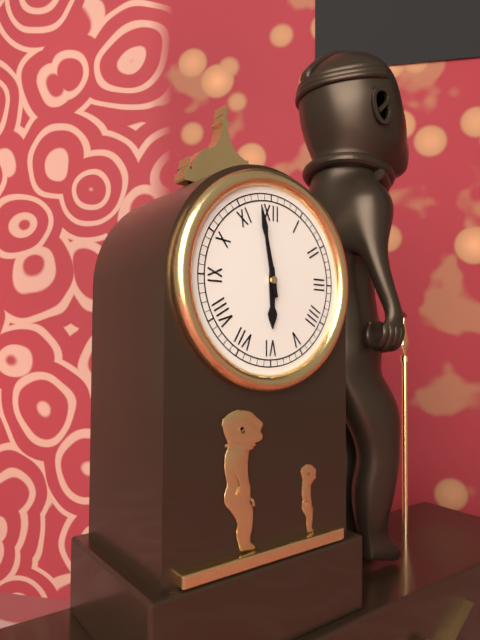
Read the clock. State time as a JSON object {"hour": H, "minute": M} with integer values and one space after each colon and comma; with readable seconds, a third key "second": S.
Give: {"hour": 5, "minute": 58}
